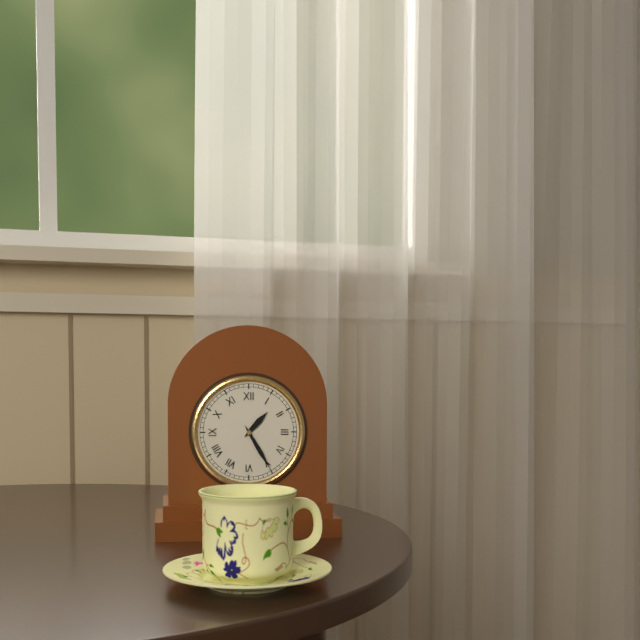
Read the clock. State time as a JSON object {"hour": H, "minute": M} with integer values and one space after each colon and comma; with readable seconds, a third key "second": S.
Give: {"hour": 1, "minute": 25}
